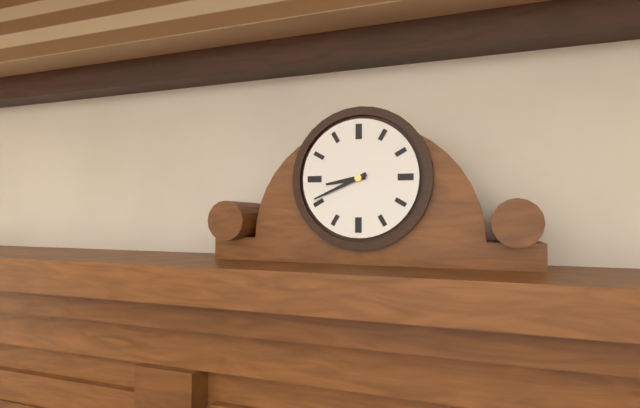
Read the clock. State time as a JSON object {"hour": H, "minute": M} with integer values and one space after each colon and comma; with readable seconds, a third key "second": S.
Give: {"hour": 8, "minute": 41}
